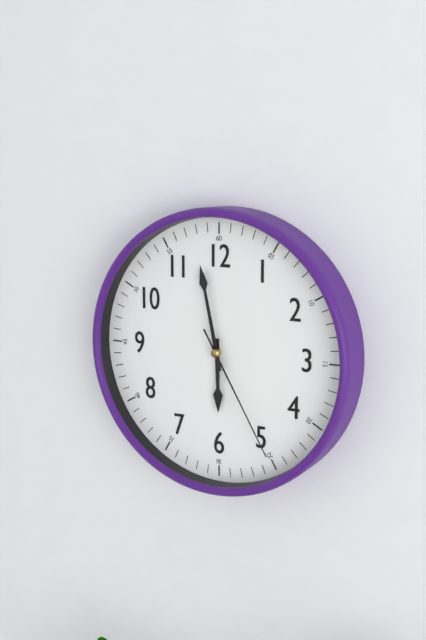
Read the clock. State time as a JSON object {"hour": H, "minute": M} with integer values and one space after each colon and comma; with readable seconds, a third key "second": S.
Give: {"hour": 5, "minute": 58, "second": 25}
